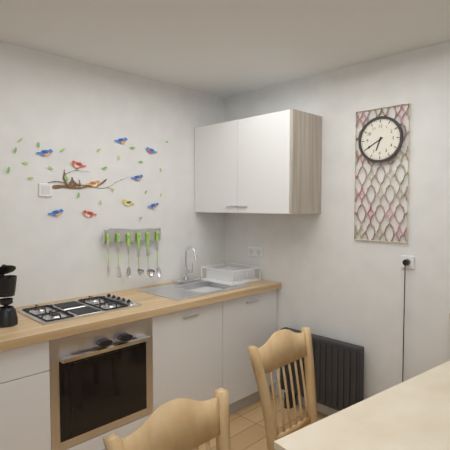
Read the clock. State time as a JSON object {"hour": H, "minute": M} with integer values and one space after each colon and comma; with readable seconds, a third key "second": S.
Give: {"hour": 6, "minute": 40}
